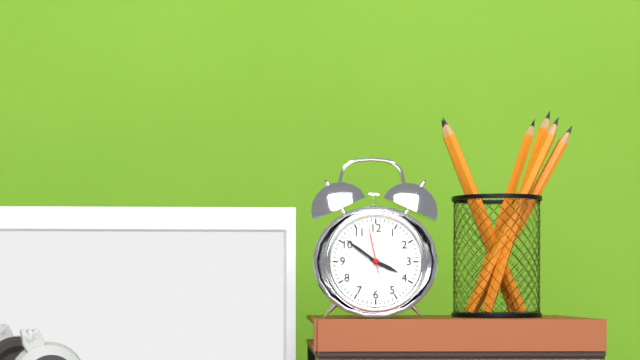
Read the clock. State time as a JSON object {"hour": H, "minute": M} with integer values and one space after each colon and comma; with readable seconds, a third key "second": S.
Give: {"hour": 3, "minute": 51, "second": 58}
